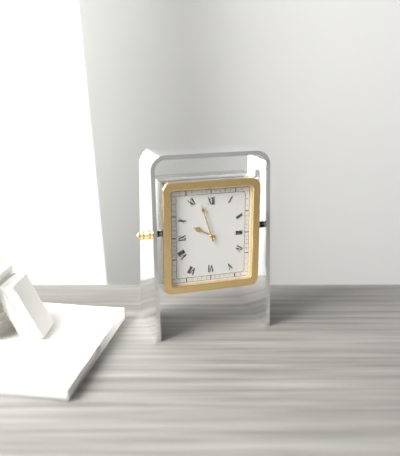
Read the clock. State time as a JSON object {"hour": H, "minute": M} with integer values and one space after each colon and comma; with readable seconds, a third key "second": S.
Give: {"hour": 9, "minute": 57}
